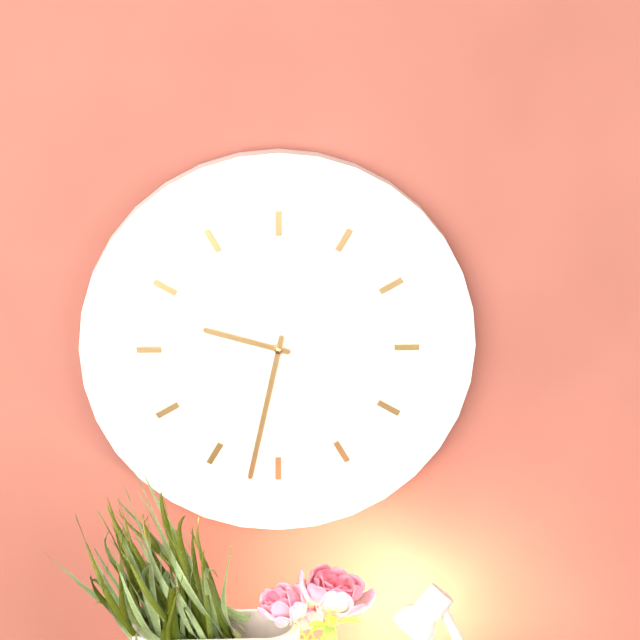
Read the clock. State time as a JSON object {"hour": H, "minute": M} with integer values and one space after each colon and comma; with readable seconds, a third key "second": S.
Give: {"hour": 9, "minute": 32}
